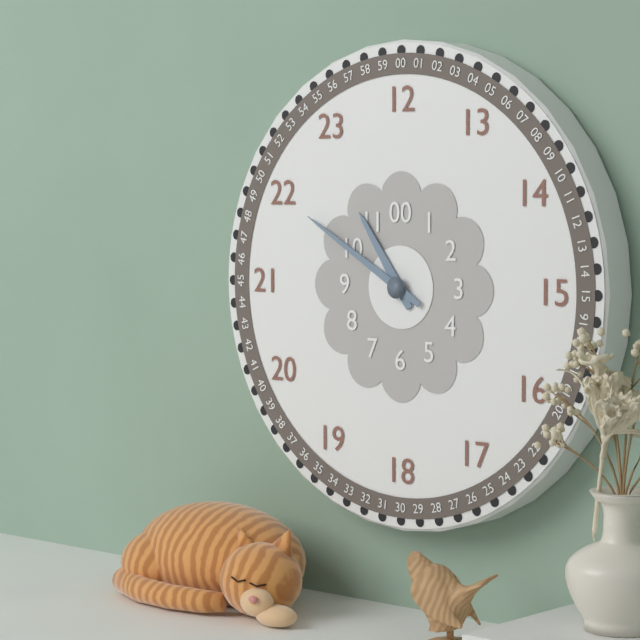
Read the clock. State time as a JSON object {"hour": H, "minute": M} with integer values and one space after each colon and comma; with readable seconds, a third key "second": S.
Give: {"hour": 10, "minute": 50}
